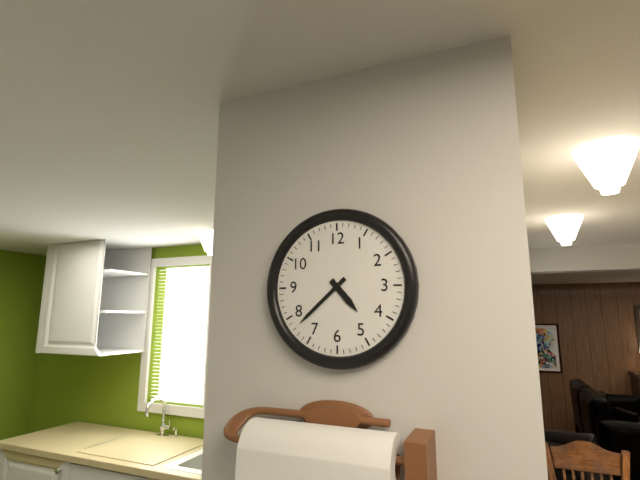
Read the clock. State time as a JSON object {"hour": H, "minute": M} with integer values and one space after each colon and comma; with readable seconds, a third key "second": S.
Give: {"hour": 4, "minute": 38}
